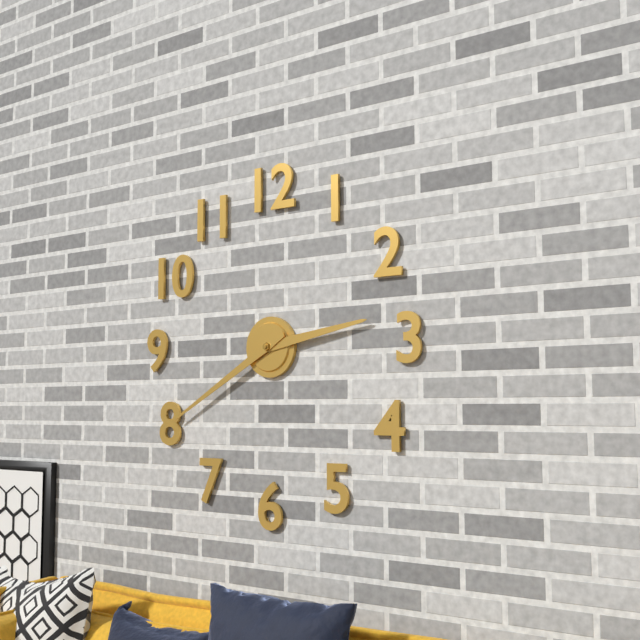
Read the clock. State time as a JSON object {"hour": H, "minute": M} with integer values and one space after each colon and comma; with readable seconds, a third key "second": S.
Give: {"hour": 2, "minute": 40}
